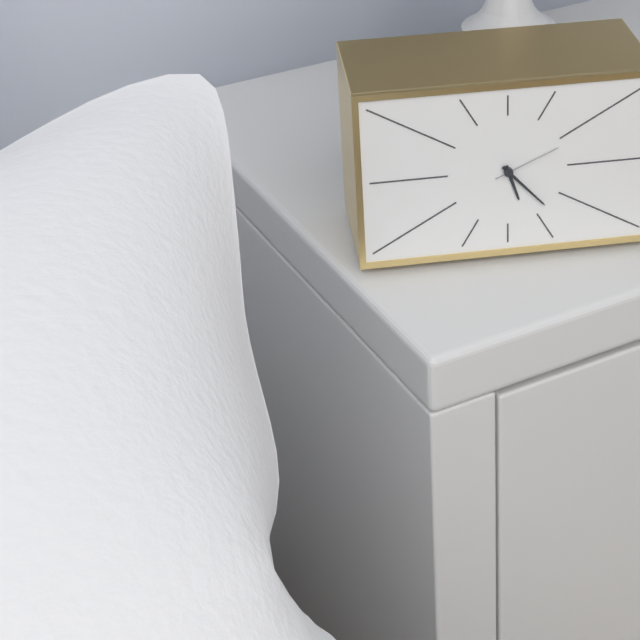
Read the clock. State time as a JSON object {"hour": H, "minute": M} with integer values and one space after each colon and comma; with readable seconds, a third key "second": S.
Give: {"hour": 5, "minute": 23, "second": 11}
